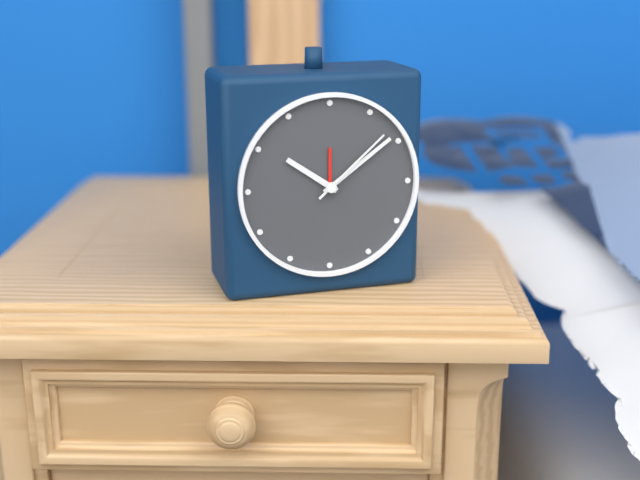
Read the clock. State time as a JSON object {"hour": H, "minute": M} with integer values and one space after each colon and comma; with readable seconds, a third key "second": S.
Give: {"hour": 10, "minute": 9, "second": 8}
